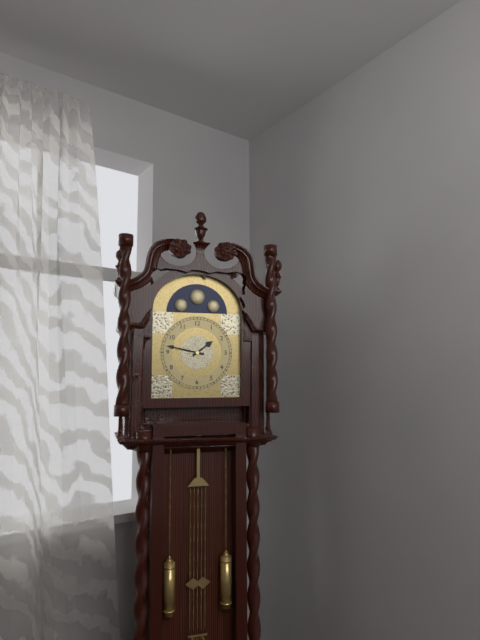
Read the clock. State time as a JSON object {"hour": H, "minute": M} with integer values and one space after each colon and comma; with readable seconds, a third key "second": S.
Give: {"hour": 1, "minute": 47}
